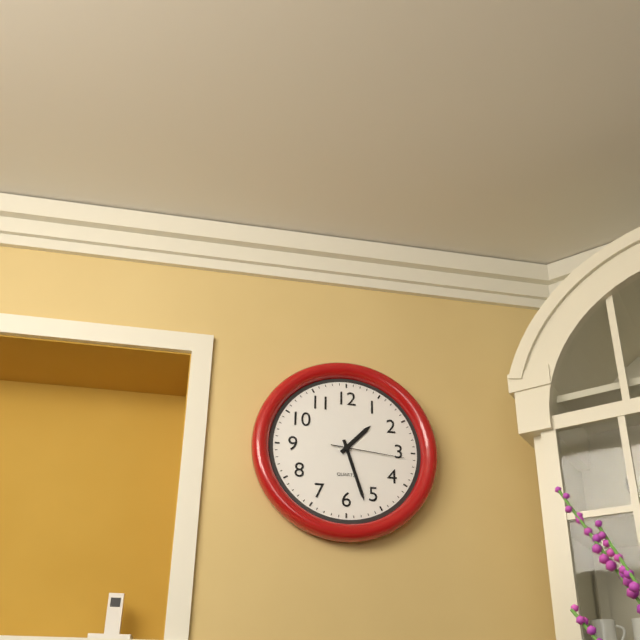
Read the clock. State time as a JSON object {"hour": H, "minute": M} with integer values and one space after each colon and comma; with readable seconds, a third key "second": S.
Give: {"hour": 1, "minute": 27, "second": 16}
